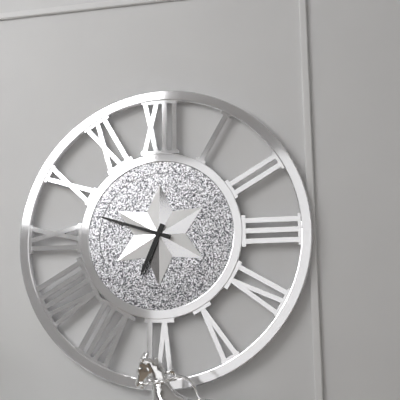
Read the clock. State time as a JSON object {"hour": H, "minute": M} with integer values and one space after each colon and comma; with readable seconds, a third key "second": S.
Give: {"hour": 6, "minute": 48}
